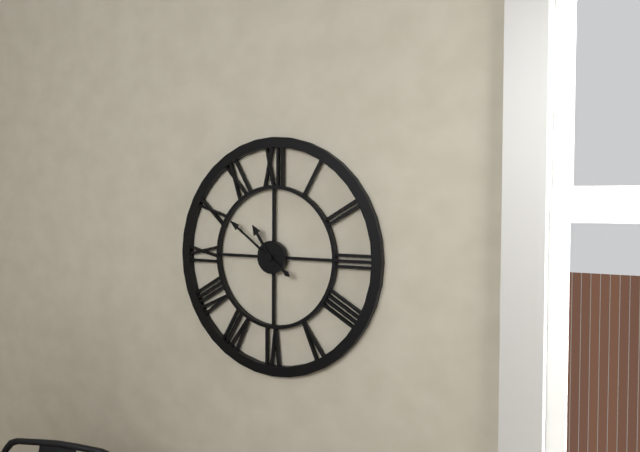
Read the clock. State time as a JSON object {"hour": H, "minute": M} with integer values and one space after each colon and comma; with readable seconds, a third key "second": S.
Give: {"hour": 10, "minute": 51}
